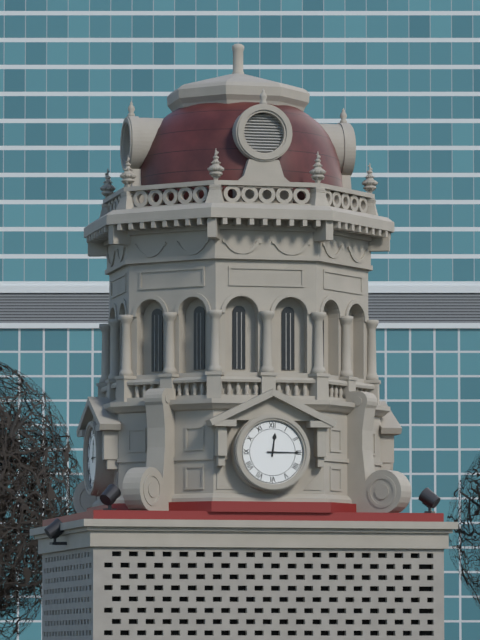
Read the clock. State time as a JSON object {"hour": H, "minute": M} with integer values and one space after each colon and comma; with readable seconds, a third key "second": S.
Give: {"hour": 12, "minute": 15}
